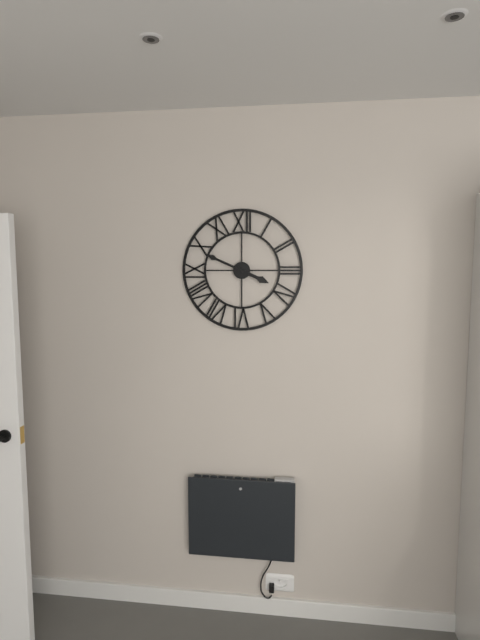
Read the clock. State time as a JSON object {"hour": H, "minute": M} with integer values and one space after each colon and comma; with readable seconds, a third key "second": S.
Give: {"hour": 3, "minute": 49}
